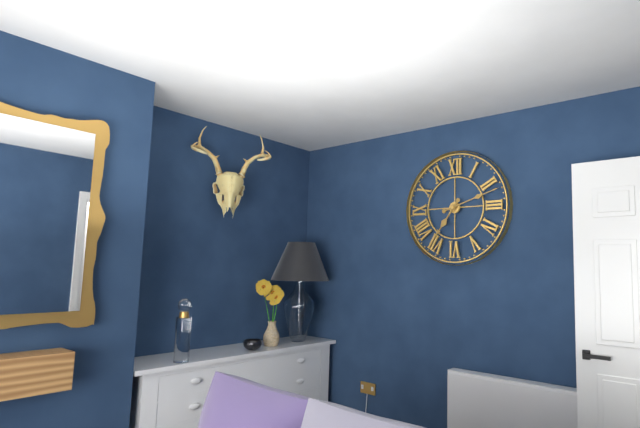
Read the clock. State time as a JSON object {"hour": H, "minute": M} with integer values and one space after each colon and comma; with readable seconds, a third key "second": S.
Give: {"hour": 7, "minute": 12}
